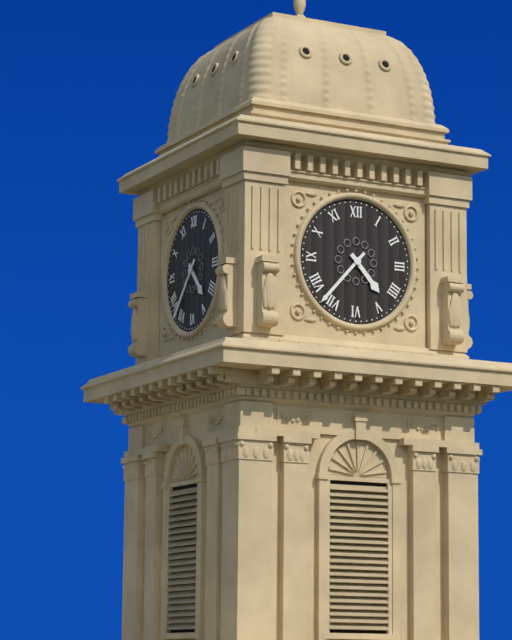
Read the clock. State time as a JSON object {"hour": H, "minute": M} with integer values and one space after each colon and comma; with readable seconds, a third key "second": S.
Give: {"hour": 4, "minute": 37}
